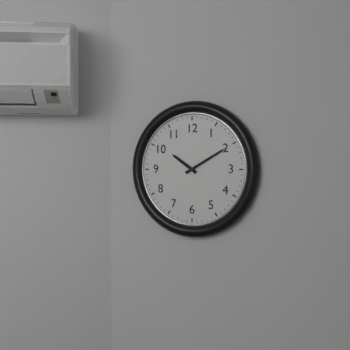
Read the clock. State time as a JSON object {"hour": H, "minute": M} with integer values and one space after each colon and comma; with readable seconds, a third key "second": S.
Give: {"hour": 10, "minute": 10}
